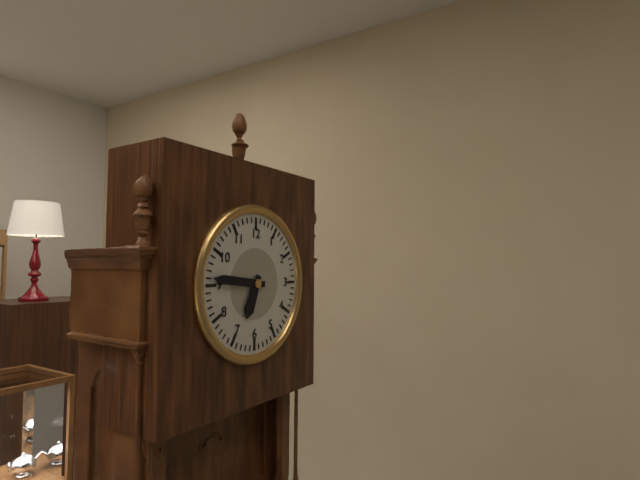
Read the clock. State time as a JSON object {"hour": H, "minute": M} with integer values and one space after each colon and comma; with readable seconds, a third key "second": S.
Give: {"hour": 6, "minute": 46}
